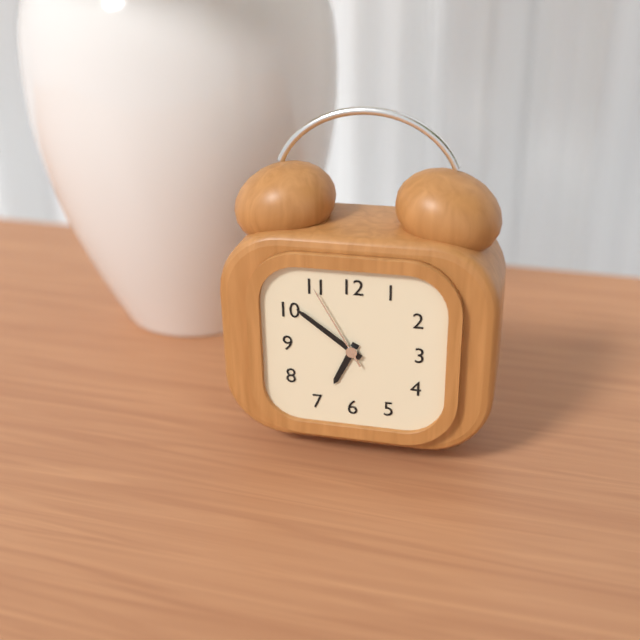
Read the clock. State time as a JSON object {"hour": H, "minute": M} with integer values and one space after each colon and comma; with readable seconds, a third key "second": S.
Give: {"hour": 6, "minute": 51, "second": 55}
